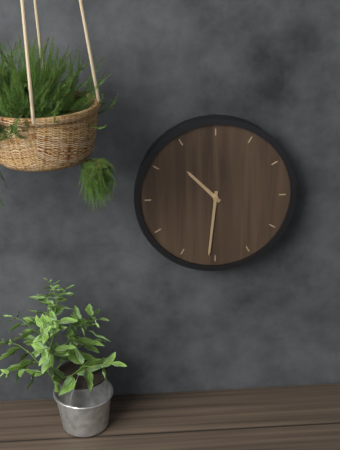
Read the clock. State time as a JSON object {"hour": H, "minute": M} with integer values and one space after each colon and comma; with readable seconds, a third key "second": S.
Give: {"hour": 10, "minute": 31}
